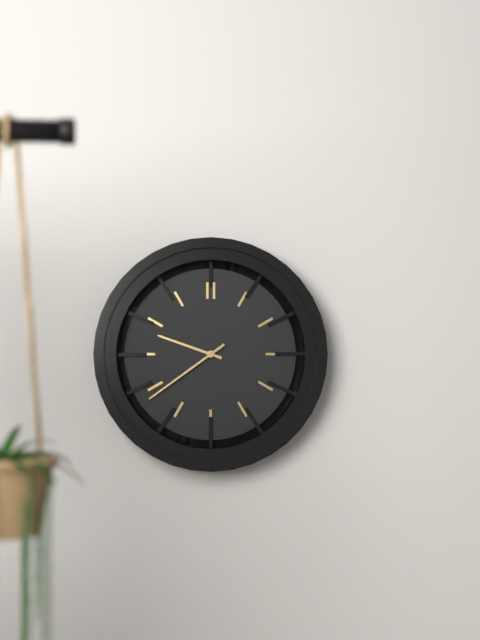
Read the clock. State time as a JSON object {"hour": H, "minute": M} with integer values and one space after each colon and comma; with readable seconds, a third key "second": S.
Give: {"hour": 9, "minute": 39}
